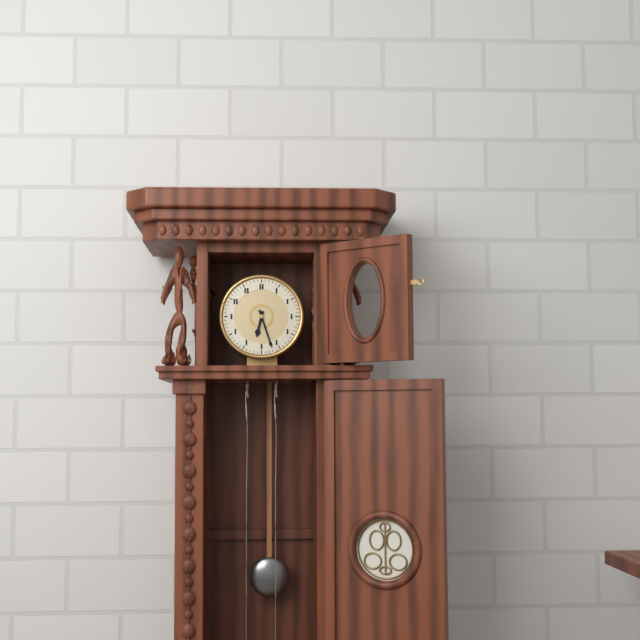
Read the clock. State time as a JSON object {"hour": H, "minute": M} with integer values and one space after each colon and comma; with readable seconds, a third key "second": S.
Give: {"hour": 6, "minute": 27}
